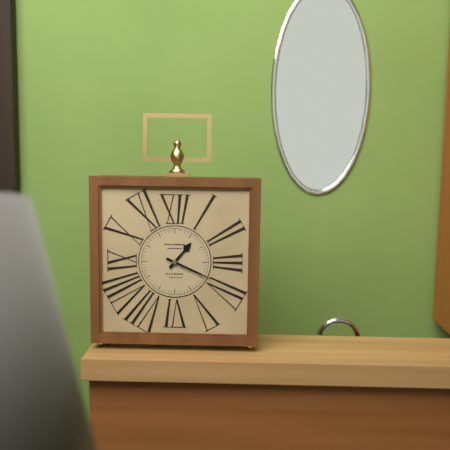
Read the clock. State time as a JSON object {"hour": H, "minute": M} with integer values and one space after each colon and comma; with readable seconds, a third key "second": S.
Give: {"hour": 1, "minute": 19}
